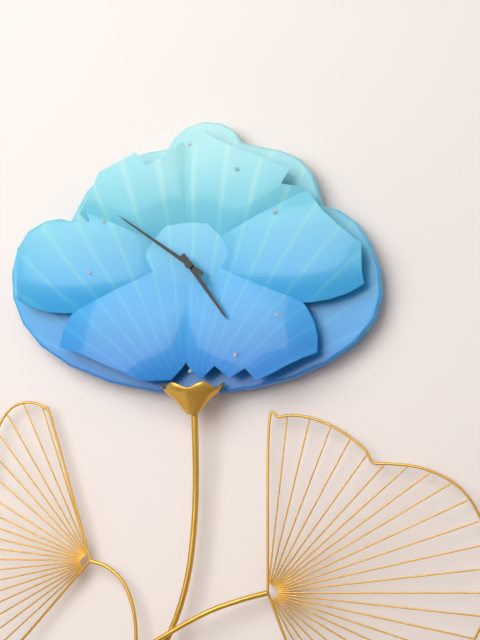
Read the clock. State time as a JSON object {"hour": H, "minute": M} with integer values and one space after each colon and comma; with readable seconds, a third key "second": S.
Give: {"hour": 4, "minute": 51}
